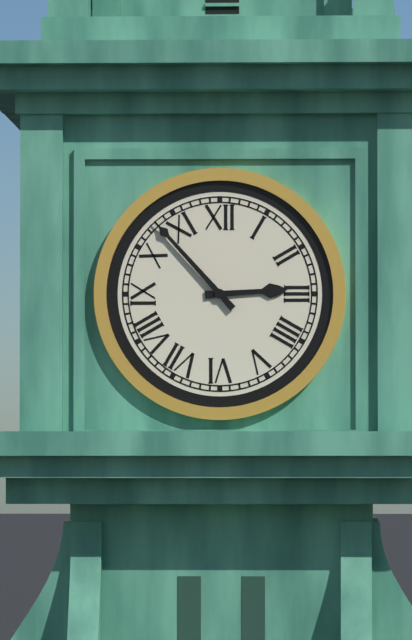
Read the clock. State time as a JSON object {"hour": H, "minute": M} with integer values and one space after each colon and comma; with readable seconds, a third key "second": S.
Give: {"hour": 2, "minute": 53}
